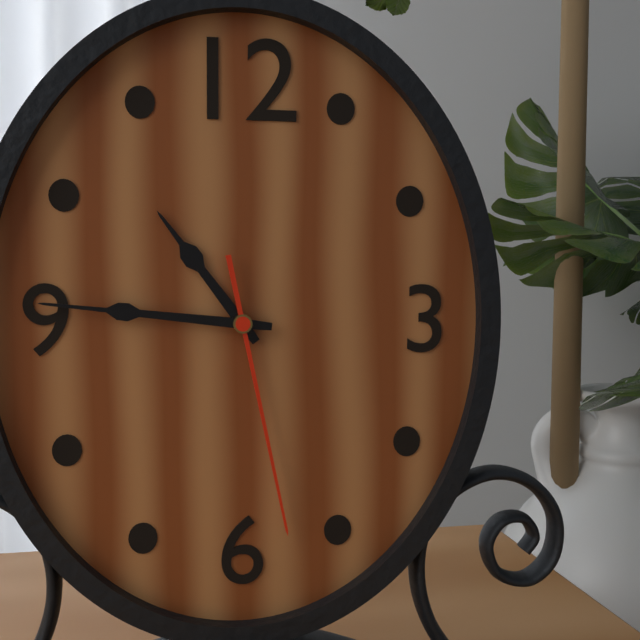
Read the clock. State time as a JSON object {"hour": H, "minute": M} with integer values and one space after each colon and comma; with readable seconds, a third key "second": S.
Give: {"hour": 10, "minute": 46, "second": 28}
